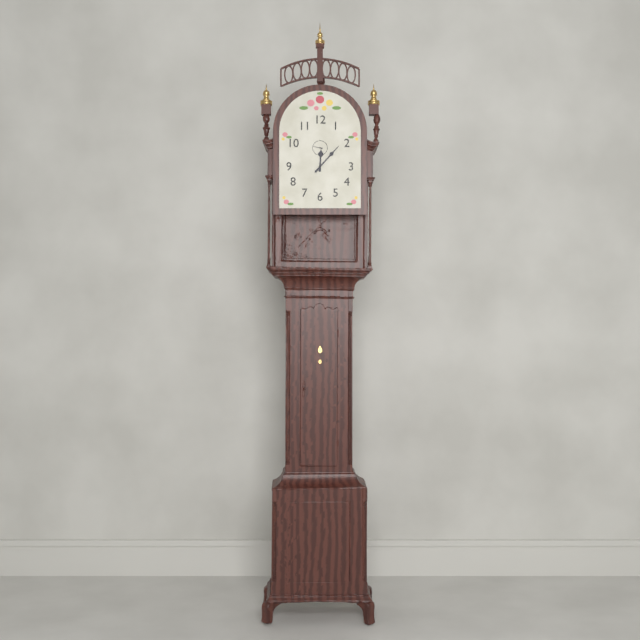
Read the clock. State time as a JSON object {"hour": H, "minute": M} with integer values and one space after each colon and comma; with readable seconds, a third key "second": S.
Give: {"hour": 12, "minute": 7}
